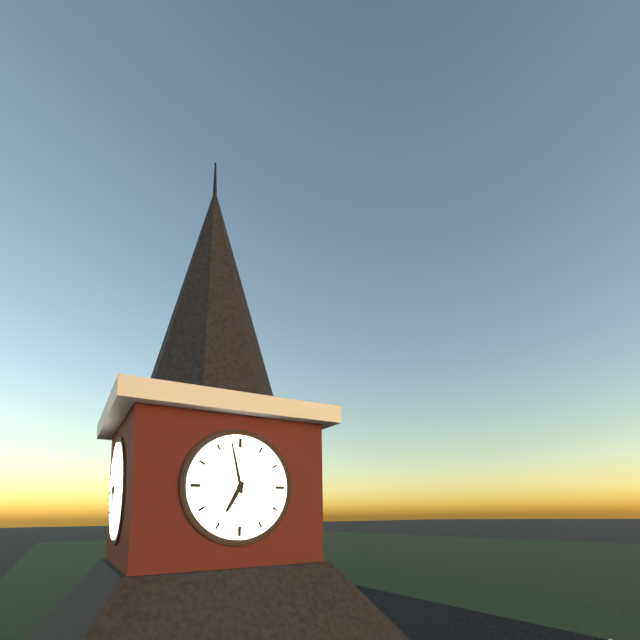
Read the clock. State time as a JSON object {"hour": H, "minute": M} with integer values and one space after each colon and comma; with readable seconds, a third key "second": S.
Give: {"hour": 6, "minute": 58}
